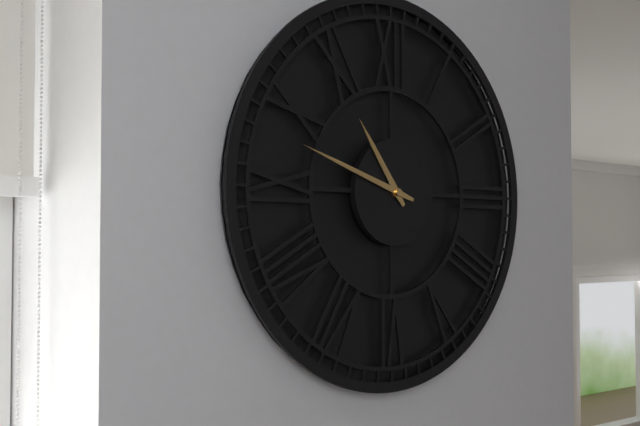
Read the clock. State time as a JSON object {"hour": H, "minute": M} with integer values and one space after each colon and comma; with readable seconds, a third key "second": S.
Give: {"hour": 10, "minute": 48}
